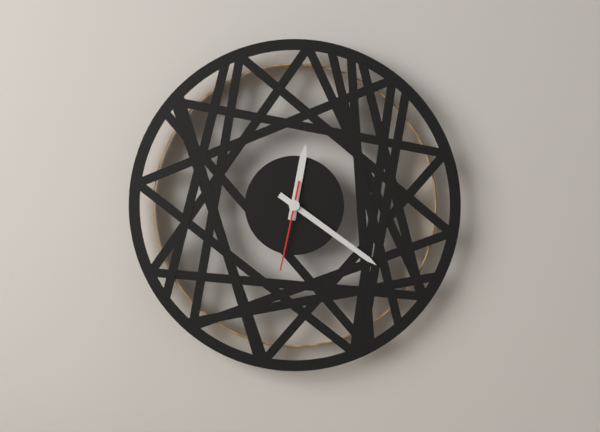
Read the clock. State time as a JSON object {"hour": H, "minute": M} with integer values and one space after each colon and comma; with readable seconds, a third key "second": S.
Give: {"hour": 12, "minute": 21, "second": 32}
